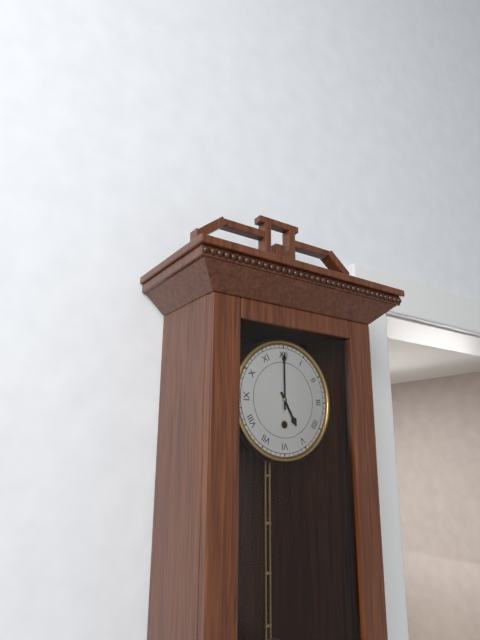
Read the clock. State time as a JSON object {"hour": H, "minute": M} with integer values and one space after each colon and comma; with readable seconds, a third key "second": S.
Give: {"hour": 5, "minute": 0}
